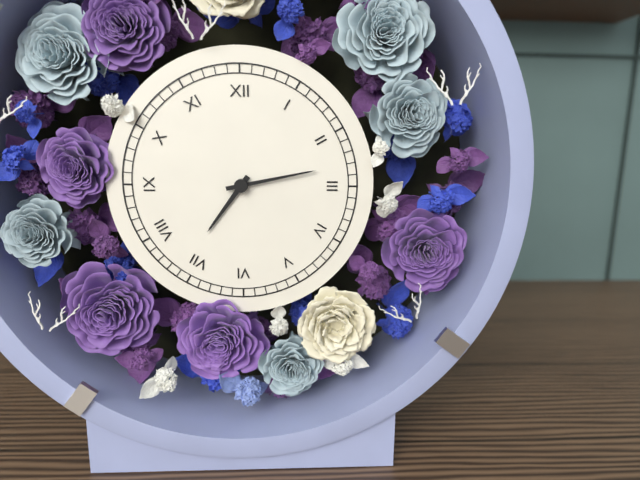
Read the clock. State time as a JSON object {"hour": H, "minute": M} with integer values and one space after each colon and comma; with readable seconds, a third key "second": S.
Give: {"hour": 7, "minute": 13}
